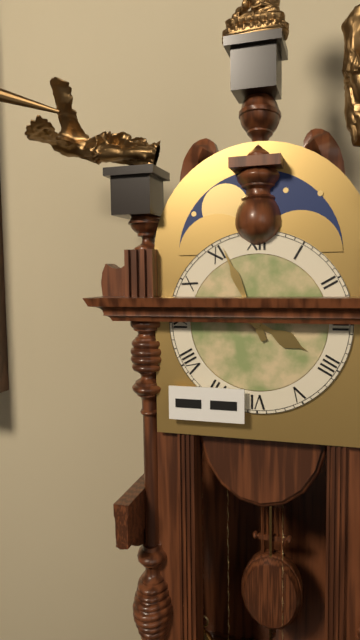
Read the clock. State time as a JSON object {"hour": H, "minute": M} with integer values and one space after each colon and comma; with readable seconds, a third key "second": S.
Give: {"hour": 3, "minute": 56}
